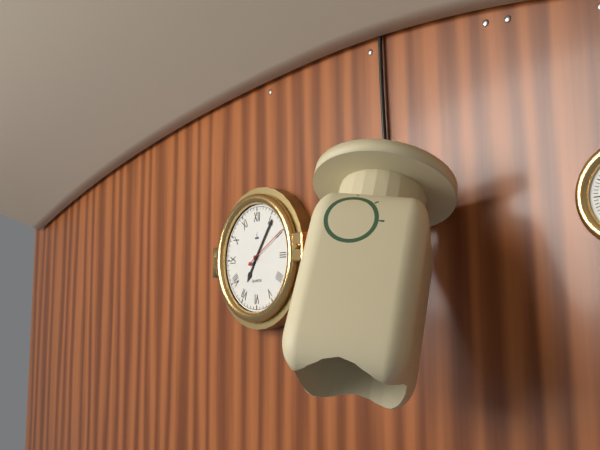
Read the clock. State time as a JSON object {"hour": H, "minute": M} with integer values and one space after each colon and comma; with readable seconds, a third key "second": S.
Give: {"hour": 7, "minute": 6}
